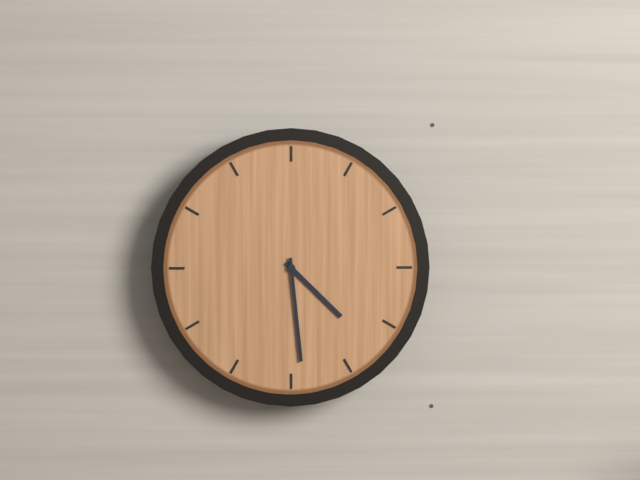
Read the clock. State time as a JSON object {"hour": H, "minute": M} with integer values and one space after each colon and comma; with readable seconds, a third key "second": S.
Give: {"hour": 4, "minute": 29}
